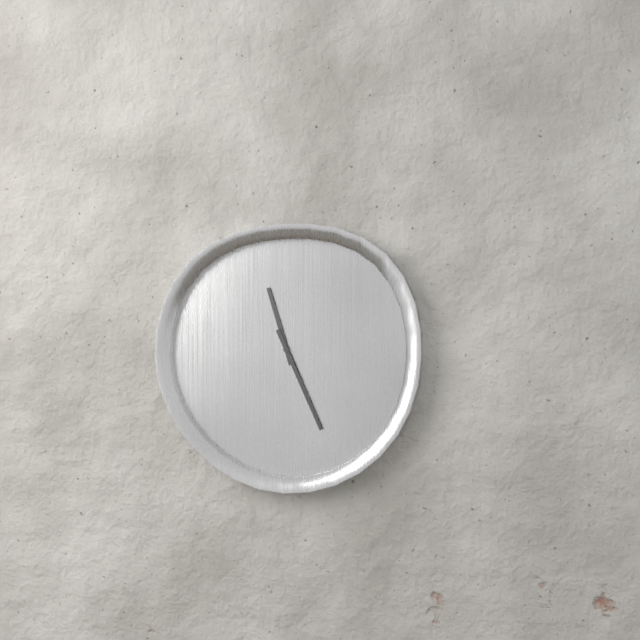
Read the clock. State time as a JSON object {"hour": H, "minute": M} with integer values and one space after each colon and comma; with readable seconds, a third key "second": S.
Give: {"hour": 11, "minute": 26}
